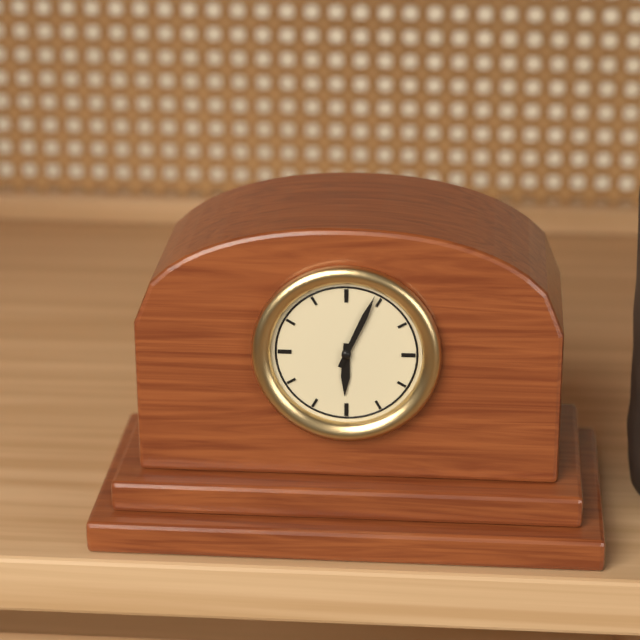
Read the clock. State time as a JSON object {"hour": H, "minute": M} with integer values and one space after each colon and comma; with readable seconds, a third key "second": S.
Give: {"hour": 6, "minute": 4}
